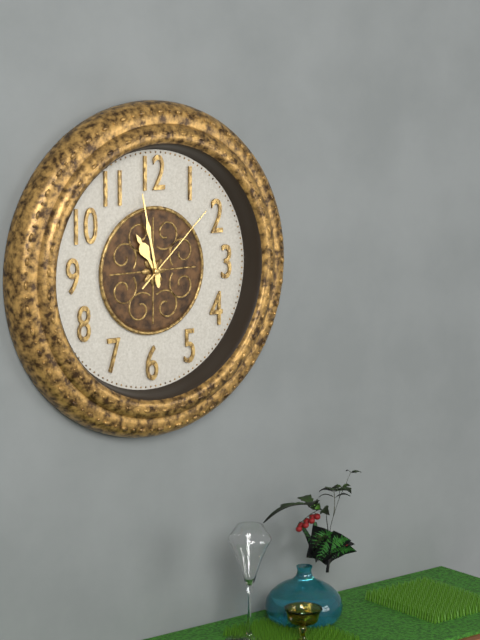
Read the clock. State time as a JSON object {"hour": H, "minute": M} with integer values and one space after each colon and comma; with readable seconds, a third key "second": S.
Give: {"hour": 10, "minute": 58, "second": 8}
